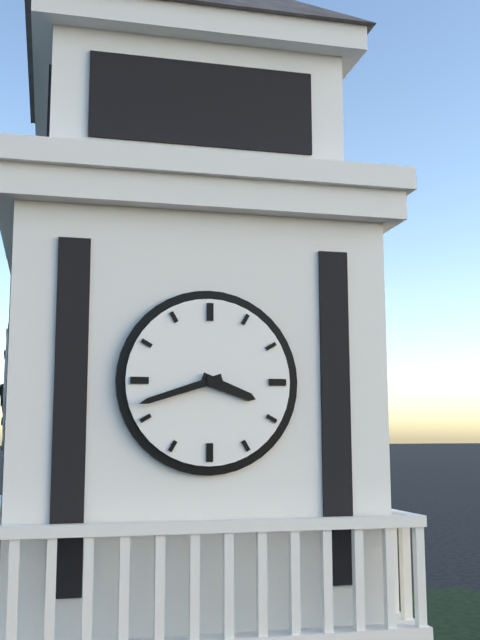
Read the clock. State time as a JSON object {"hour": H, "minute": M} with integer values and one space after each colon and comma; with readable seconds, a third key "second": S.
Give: {"hour": 3, "minute": 42}
